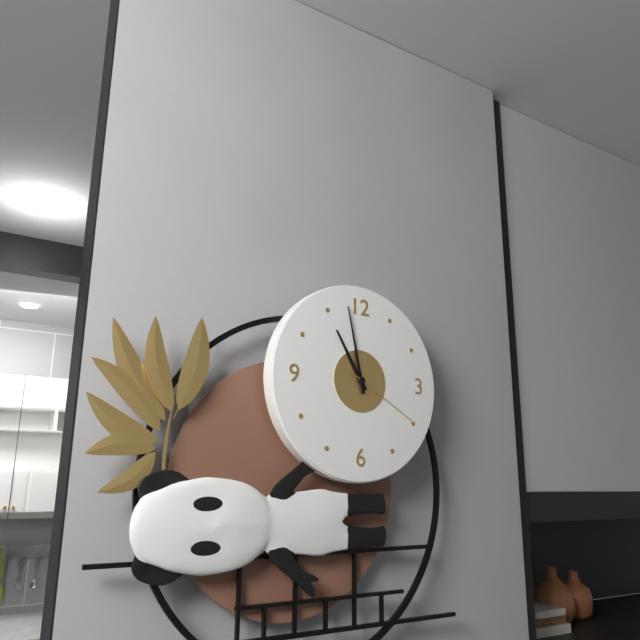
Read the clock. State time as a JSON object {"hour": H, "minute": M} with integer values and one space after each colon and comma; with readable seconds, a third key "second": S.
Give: {"hour": 10, "minute": 58, "second": 20}
